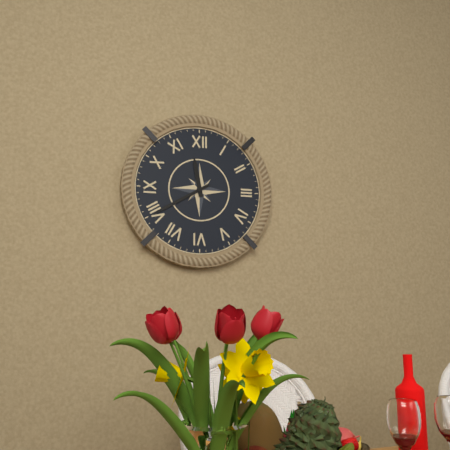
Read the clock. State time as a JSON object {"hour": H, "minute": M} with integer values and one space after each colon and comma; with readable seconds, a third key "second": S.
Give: {"hour": 11, "minute": 40}
